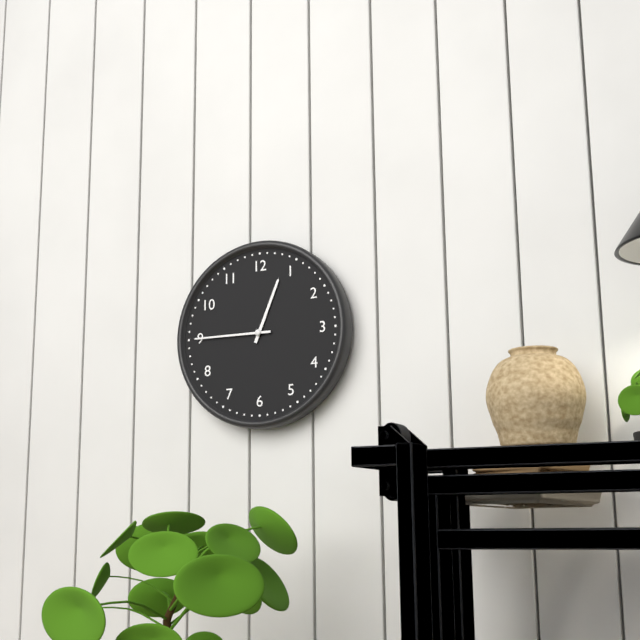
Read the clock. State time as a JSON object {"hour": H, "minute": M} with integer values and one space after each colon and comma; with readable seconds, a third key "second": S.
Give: {"hour": 12, "minute": 45}
